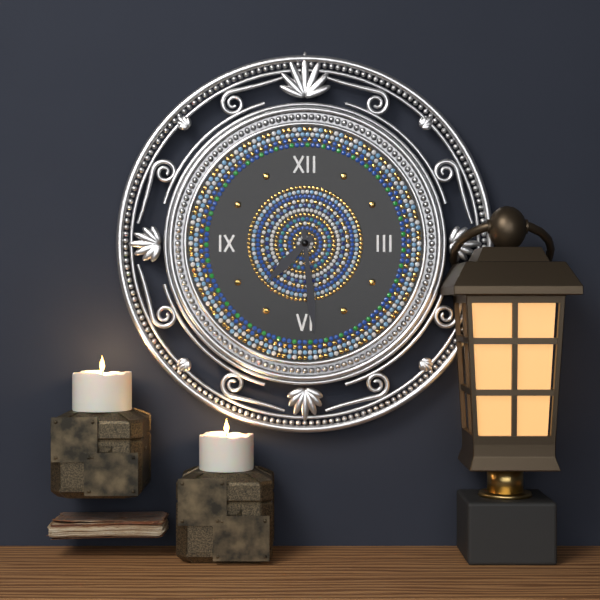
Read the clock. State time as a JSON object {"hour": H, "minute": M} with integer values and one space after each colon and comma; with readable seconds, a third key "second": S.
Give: {"hour": 7, "minute": 29}
